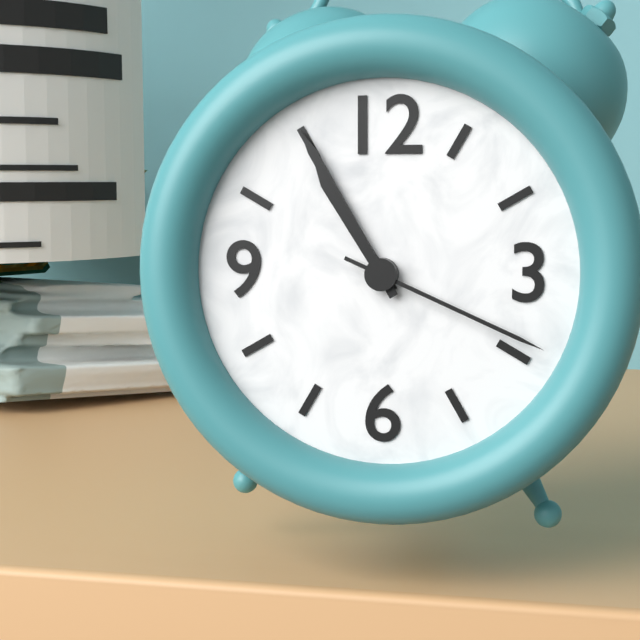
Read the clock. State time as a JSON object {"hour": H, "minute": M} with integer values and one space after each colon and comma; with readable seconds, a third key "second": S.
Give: {"hour": 10, "minute": 55, "second": 19}
